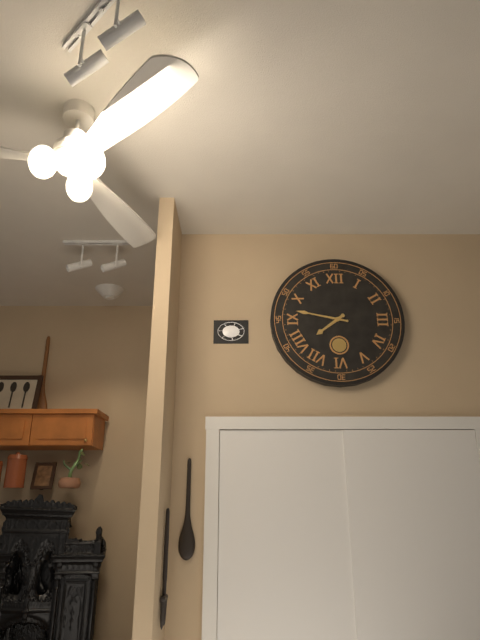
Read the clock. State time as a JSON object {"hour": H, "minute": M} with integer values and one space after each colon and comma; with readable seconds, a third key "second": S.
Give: {"hour": 7, "minute": 47}
